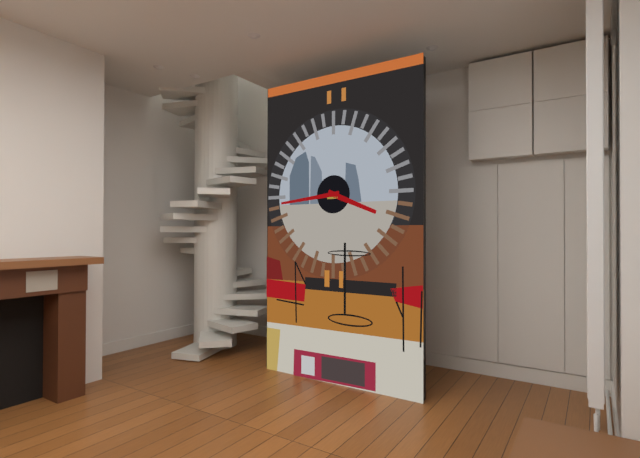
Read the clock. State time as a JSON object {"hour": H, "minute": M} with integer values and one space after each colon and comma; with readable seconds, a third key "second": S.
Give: {"hour": 3, "minute": 44}
